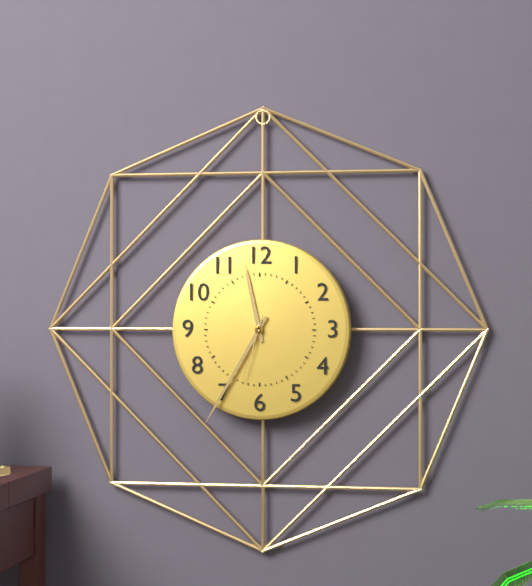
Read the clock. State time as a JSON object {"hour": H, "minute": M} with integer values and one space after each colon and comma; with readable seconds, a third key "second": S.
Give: {"hour": 11, "minute": 35, "second": 33}
